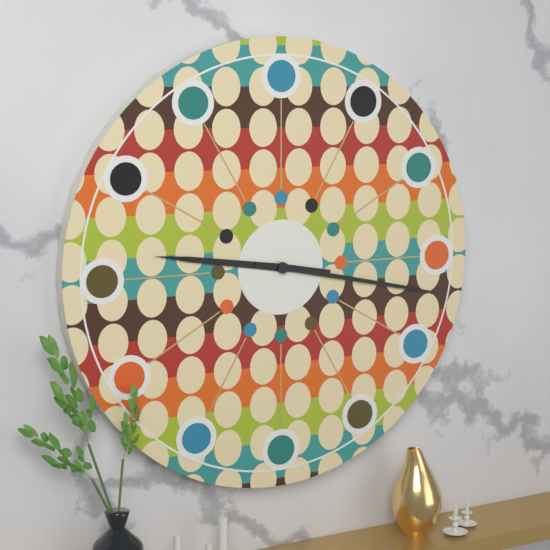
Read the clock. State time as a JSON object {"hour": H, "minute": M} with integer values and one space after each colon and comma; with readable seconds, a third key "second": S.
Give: {"hour": 9, "minute": 17}
